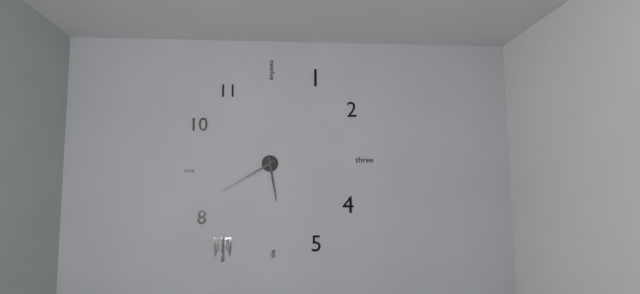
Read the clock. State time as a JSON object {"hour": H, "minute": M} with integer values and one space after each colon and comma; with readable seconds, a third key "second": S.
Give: {"hour": 5, "minute": 40}
